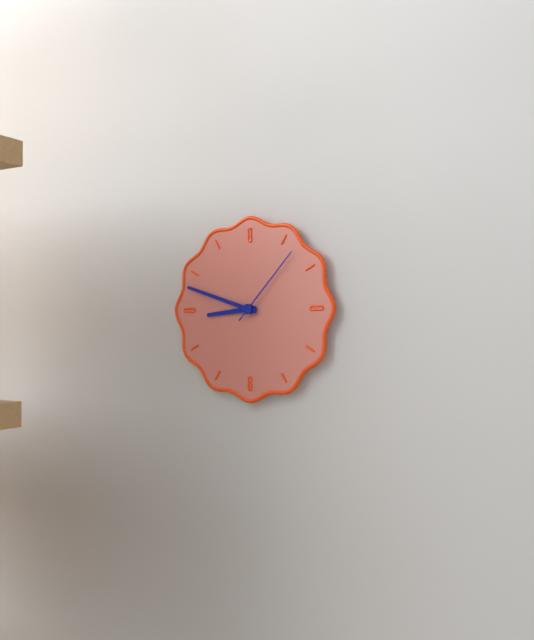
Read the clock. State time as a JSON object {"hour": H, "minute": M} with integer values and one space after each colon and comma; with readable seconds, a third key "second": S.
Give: {"hour": 8, "minute": 48, "second": 7}
